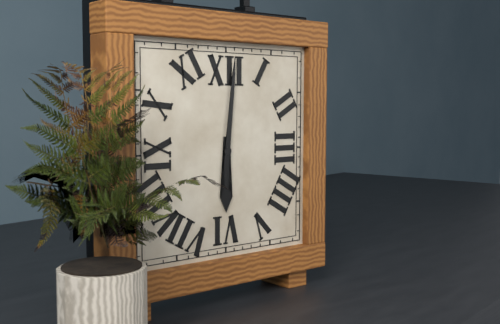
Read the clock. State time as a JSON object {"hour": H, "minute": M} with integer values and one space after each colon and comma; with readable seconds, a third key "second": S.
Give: {"hour": 6, "minute": 1}
